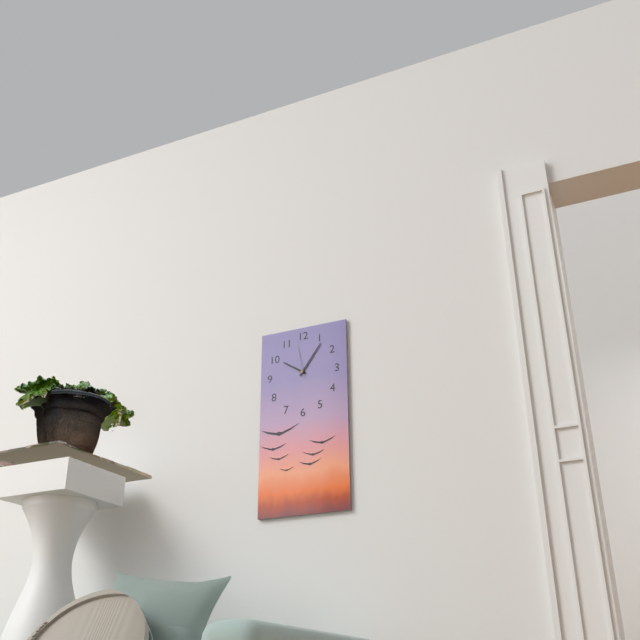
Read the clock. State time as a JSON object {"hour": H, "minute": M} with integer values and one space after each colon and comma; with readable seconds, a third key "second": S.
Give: {"hour": 10, "minute": 6}
